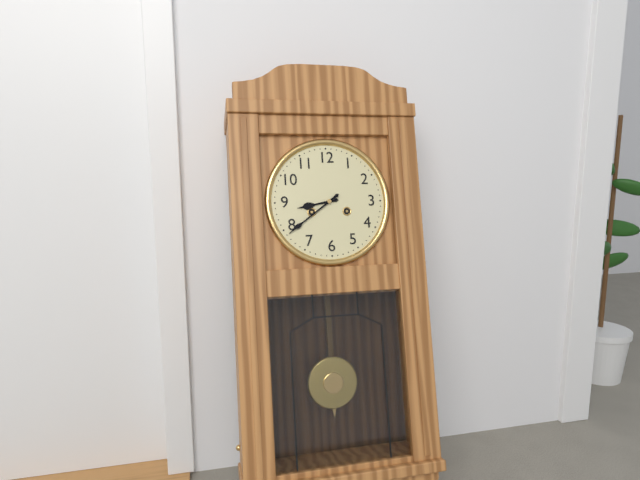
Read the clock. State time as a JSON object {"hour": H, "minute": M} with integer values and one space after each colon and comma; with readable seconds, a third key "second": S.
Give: {"hour": 8, "minute": 39}
